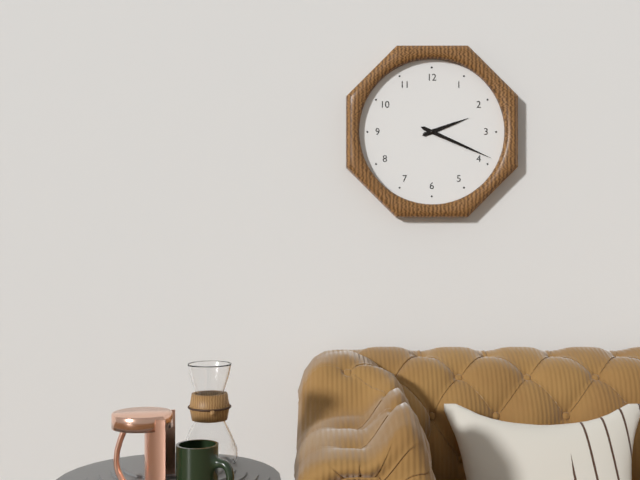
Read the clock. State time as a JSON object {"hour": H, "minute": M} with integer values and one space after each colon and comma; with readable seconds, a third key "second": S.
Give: {"hour": 2, "minute": 19}
